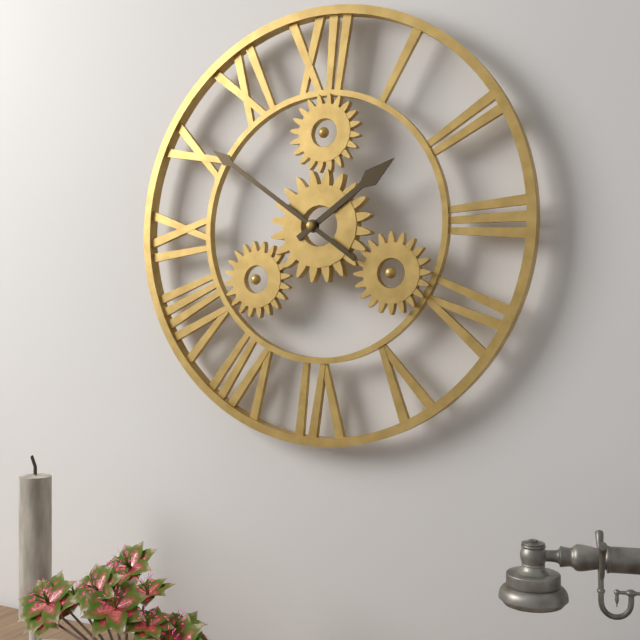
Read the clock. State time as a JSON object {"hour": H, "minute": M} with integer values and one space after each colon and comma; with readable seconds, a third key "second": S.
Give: {"hour": 1, "minute": 51}
